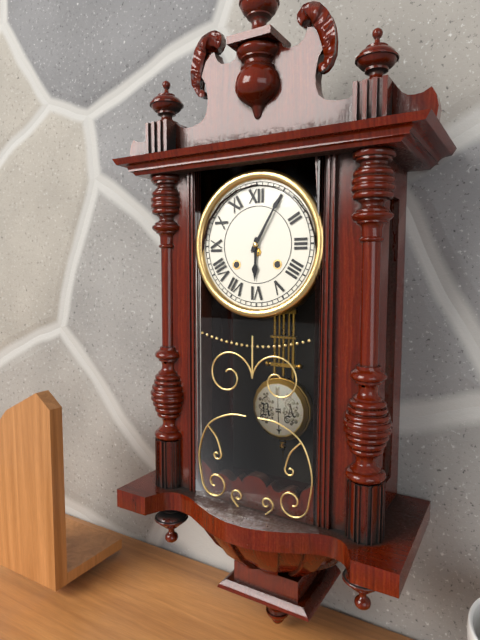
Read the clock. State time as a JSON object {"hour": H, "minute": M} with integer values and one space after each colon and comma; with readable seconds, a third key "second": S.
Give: {"hour": 6, "minute": 5}
